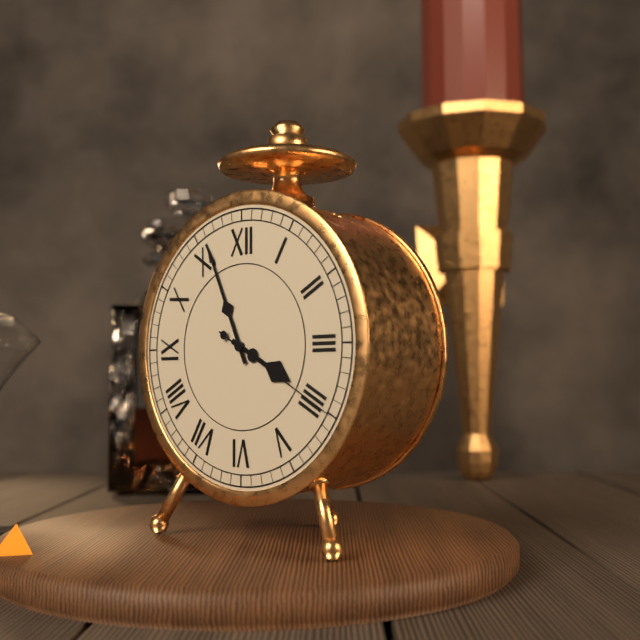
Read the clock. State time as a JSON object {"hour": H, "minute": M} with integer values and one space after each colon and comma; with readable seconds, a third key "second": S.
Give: {"hour": 3, "minute": 56, "second": 20}
